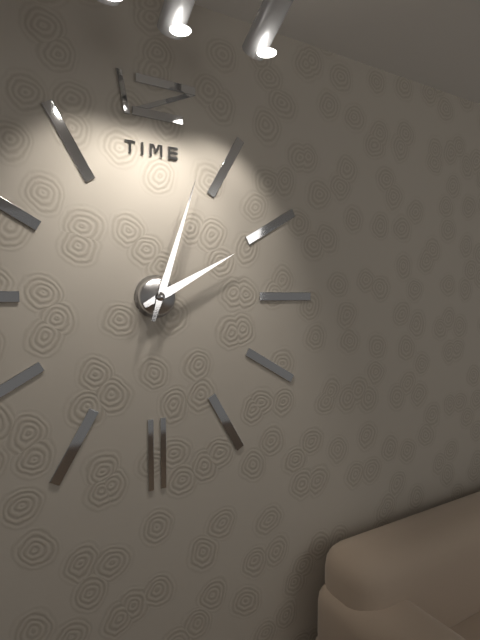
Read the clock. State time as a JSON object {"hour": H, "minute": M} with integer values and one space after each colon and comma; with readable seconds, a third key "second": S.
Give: {"hour": 2, "minute": 3}
